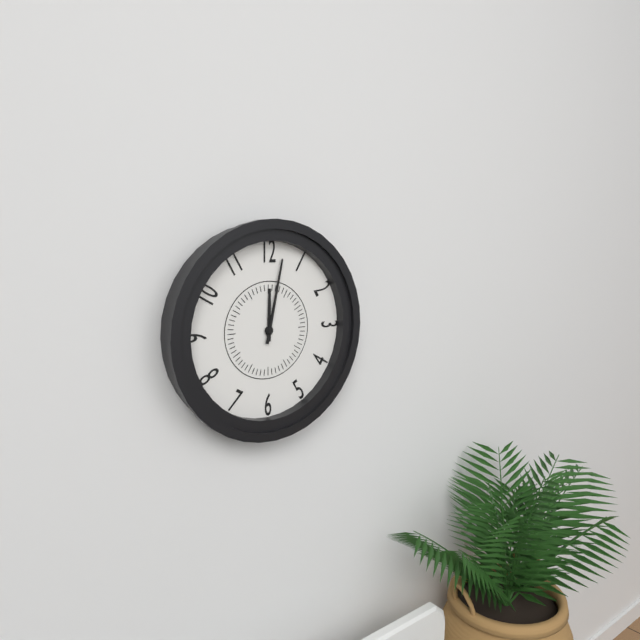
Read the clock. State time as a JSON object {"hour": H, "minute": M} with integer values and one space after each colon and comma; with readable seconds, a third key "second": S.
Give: {"hour": 12, "minute": 2}
